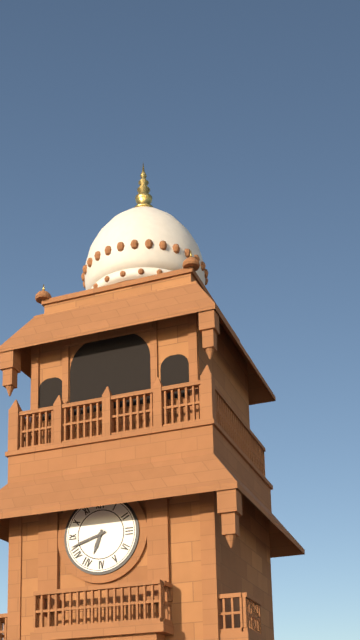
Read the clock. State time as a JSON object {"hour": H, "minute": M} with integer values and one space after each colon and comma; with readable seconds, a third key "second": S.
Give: {"hour": 6, "minute": 42}
